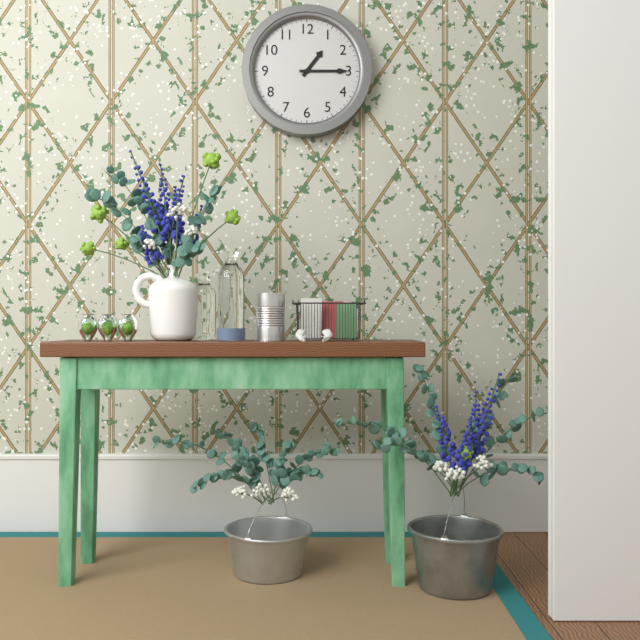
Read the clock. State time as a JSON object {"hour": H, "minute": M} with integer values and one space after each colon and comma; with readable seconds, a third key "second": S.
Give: {"hour": 1, "minute": 15}
